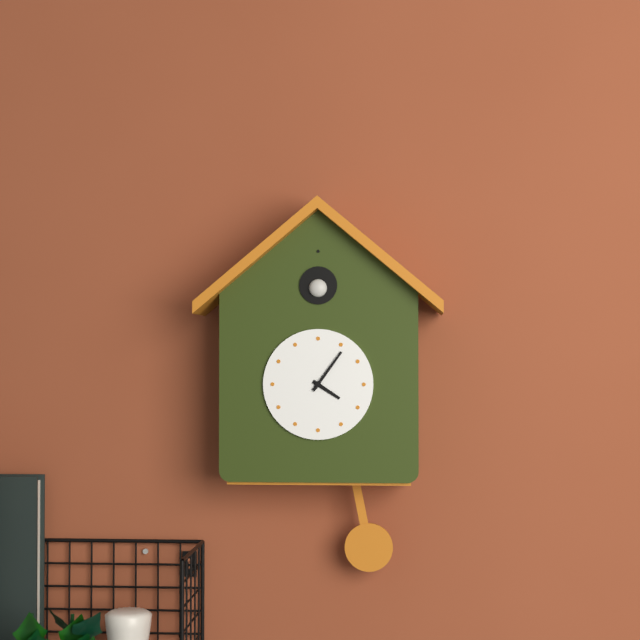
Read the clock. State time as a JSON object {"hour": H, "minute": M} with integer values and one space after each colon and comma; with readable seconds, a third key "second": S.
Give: {"hour": 4, "minute": 6}
